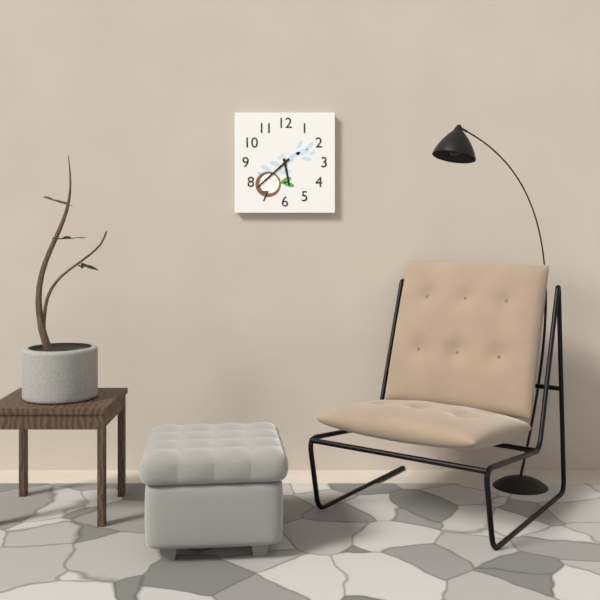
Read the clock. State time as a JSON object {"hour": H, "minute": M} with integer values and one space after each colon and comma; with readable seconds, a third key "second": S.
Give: {"hour": 5, "minute": 38}
